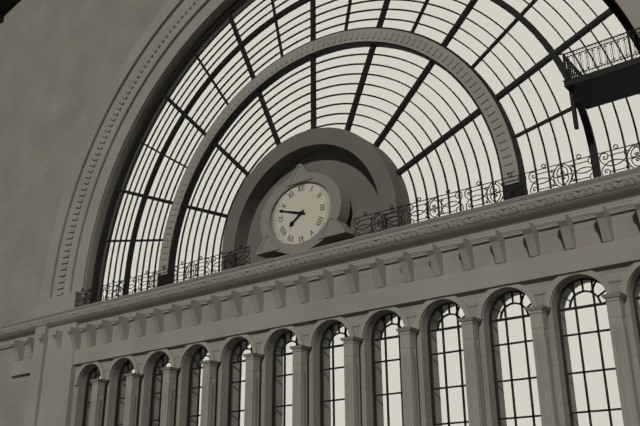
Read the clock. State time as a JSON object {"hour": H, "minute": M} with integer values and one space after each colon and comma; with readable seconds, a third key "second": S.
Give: {"hour": 7, "minute": 48}
